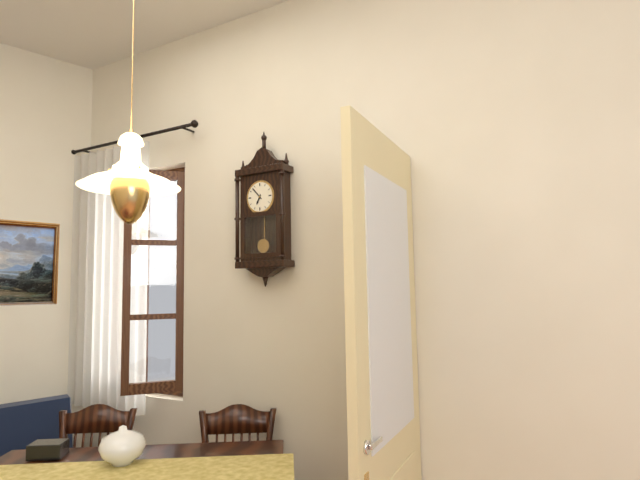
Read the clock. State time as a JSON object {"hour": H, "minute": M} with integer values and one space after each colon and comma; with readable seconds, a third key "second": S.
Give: {"hour": 6, "minute": 53}
